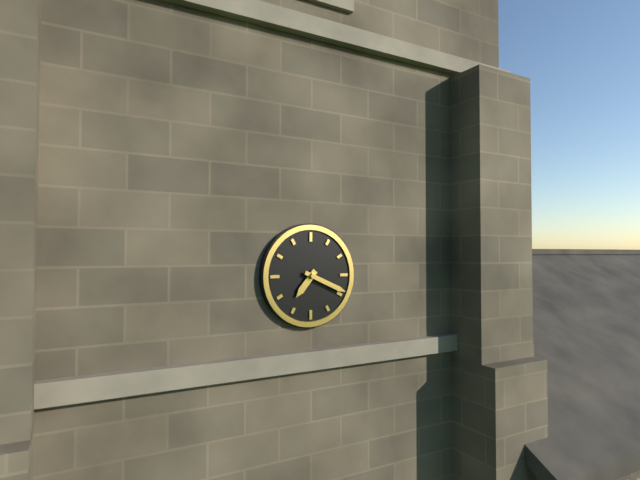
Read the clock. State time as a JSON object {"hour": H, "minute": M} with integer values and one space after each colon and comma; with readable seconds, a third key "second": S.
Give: {"hour": 7, "minute": 19}
